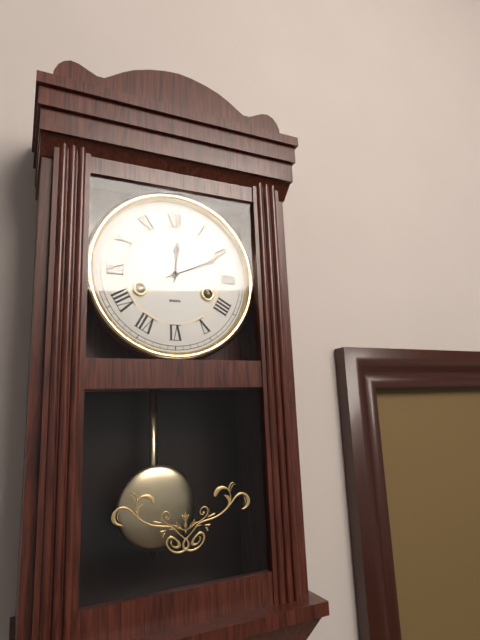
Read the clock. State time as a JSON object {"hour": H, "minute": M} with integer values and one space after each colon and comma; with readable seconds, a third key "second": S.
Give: {"hour": 12, "minute": 11}
